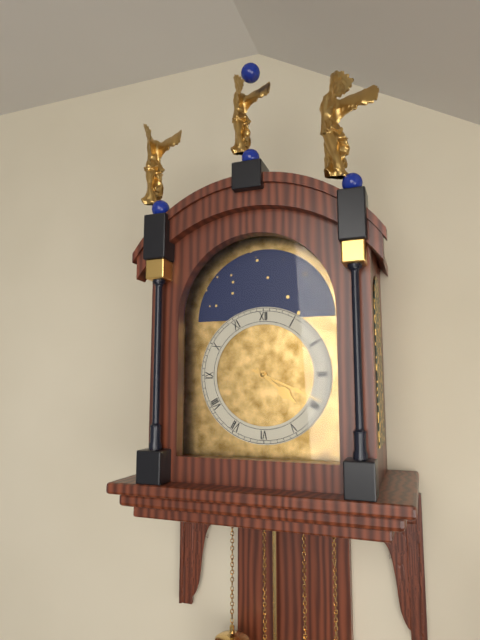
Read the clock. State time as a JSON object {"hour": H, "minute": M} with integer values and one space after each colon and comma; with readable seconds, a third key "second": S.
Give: {"hour": 4, "minute": 19}
